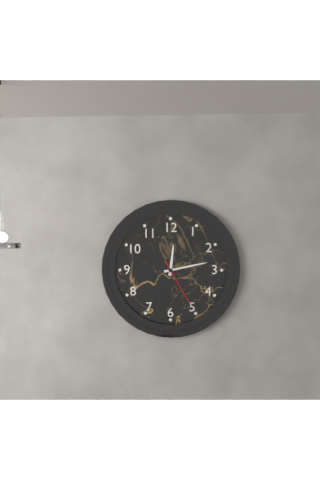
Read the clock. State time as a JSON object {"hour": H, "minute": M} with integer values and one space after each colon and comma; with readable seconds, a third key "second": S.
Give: {"hour": 12, "minute": 13}
